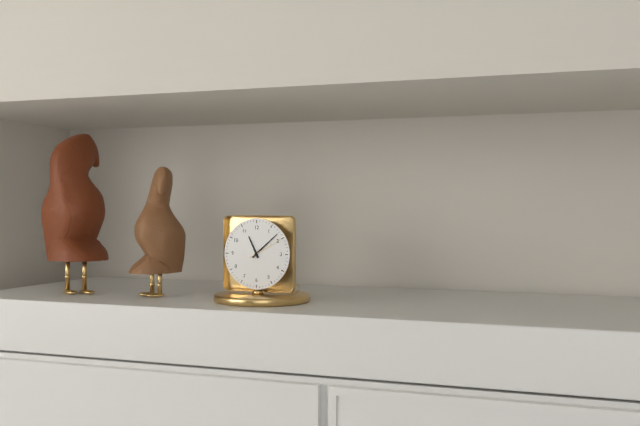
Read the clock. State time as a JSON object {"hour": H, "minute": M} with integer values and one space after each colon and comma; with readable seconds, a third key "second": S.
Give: {"hour": 11, "minute": 8}
